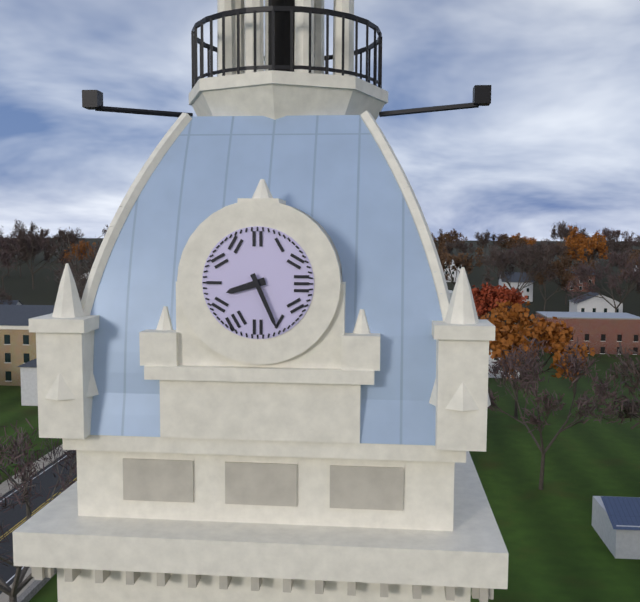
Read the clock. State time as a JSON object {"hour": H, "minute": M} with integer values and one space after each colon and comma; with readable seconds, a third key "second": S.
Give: {"hour": 8, "minute": 26}
